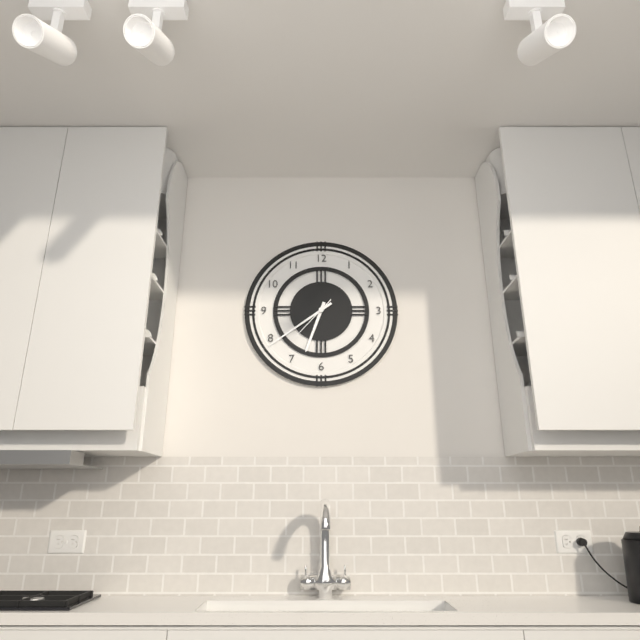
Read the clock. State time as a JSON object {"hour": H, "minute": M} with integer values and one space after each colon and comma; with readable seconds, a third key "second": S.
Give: {"hour": 6, "minute": 39, "second": 37}
